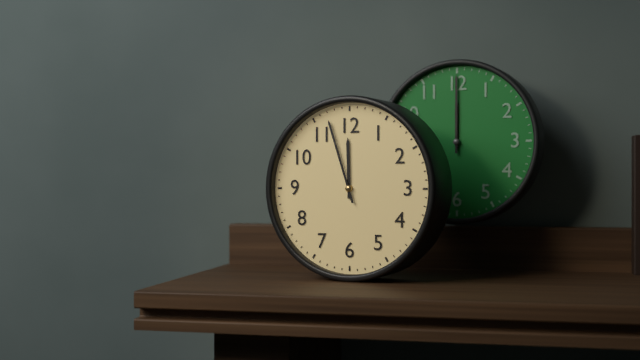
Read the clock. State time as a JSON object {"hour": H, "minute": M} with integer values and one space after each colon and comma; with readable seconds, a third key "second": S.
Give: {"hour": 11, "minute": 57}
